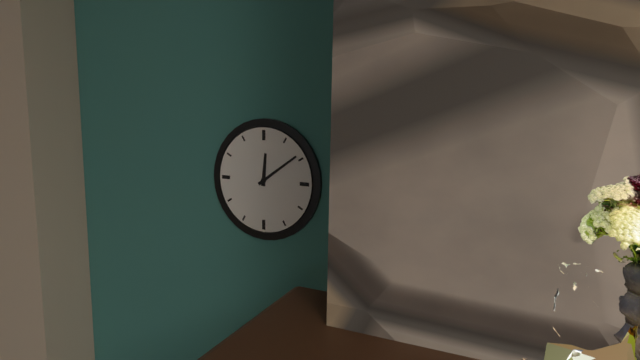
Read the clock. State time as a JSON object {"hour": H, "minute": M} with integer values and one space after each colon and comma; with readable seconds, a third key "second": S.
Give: {"hour": 12, "minute": 9}
